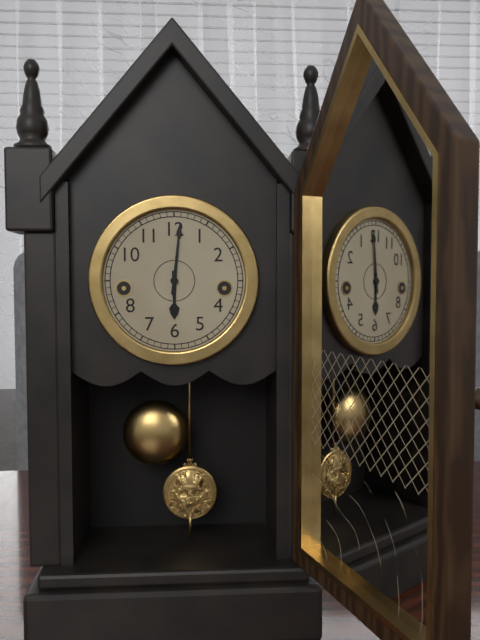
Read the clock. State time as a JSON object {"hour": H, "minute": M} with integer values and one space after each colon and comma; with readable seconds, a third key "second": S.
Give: {"hour": 6, "minute": 1}
